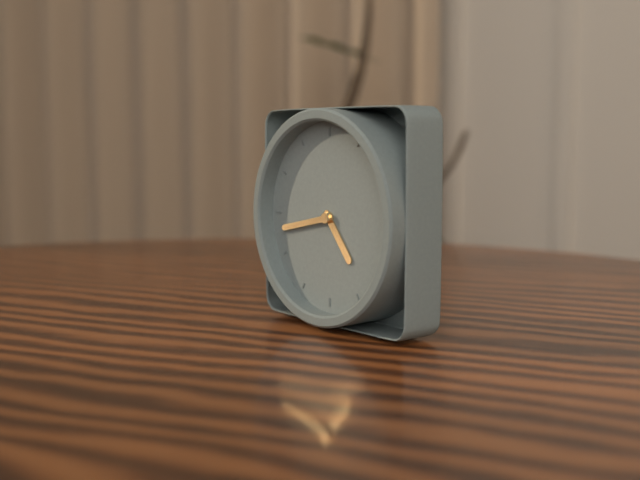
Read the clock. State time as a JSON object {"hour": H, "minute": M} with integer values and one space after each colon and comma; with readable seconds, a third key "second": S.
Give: {"hour": 4, "minute": 43}
